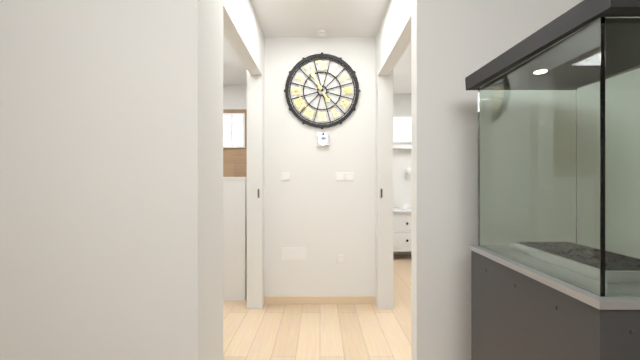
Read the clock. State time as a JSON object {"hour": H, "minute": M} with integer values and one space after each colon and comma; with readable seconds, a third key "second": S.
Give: {"hour": 4, "minute": 55}
